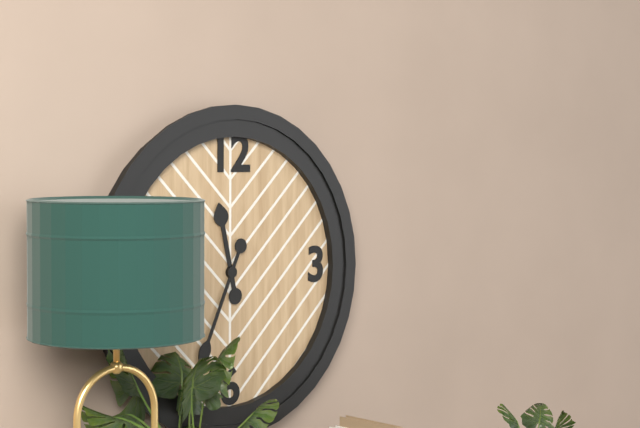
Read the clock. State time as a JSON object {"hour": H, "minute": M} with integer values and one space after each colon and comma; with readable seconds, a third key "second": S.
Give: {"hour": 11, "minute": 34}
